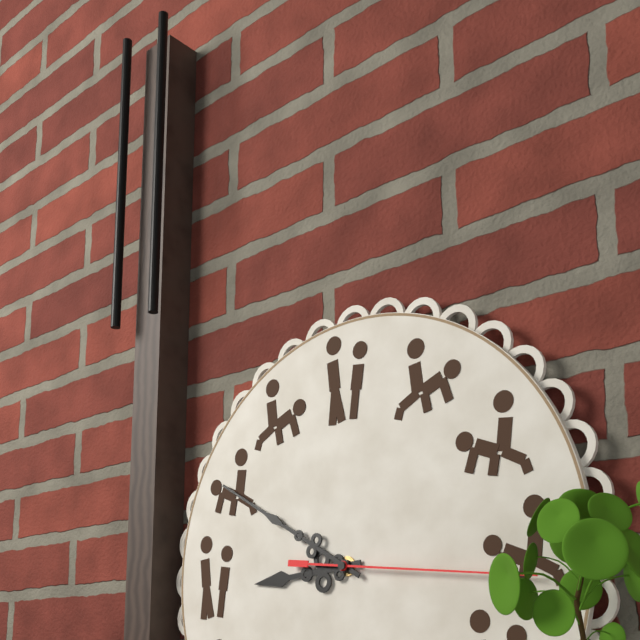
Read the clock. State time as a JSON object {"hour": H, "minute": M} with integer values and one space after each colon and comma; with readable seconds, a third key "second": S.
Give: {"hour": 8, "minute": 50, "second": 16}
